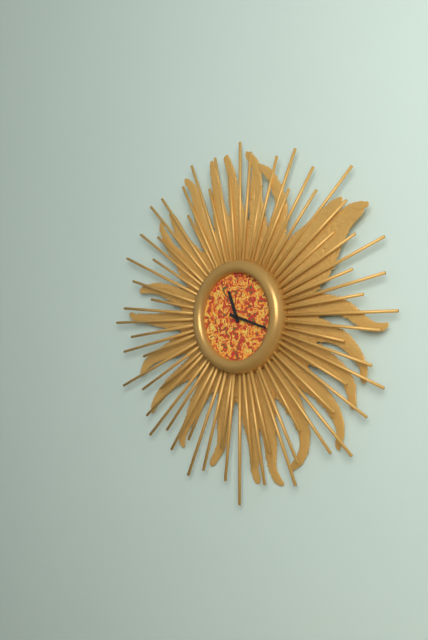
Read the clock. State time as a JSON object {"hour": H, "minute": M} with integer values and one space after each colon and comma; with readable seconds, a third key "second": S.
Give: {"hour": 11, "minute": 18}
